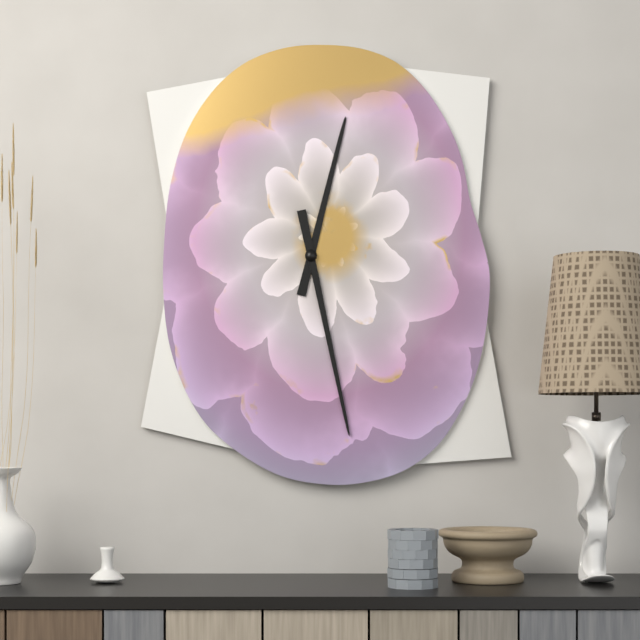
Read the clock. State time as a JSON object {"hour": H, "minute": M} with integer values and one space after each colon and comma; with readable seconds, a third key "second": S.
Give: {"hour": 12, "minute": 28}
